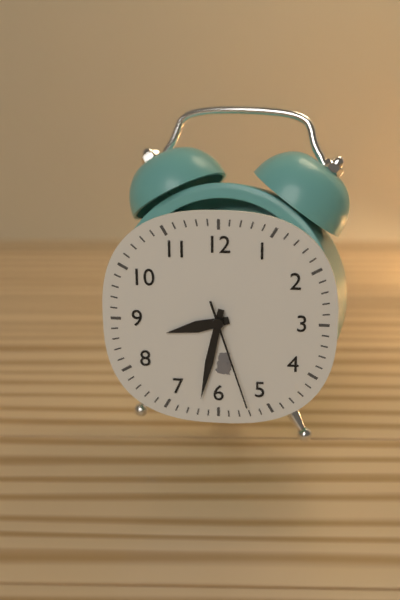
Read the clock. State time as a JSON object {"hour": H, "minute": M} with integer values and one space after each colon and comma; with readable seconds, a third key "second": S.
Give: {"hour": 8, "minute": 32, "second": 27}
